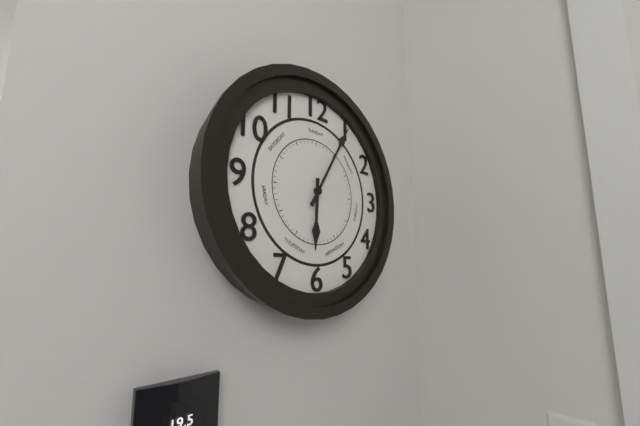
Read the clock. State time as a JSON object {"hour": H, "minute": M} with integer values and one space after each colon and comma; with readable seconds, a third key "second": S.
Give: {"hour": 6, "minute": 5}
